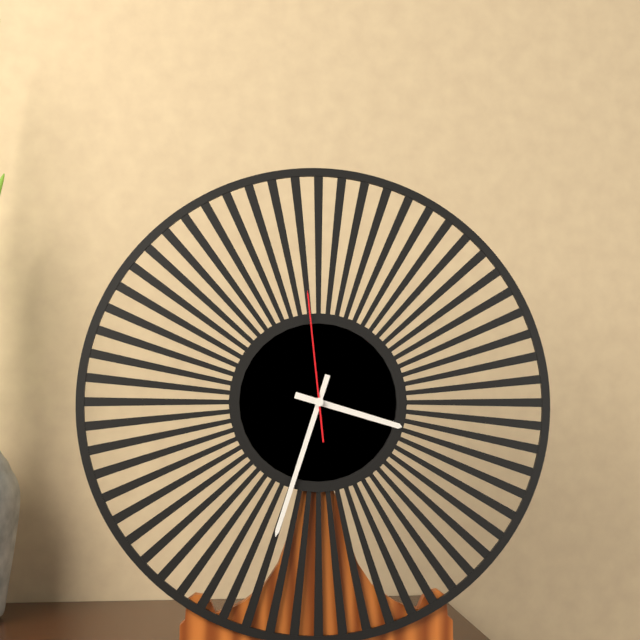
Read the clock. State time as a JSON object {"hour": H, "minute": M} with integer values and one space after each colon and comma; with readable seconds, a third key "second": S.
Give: {"hour": 3, "minute": 33, "second": 59}
